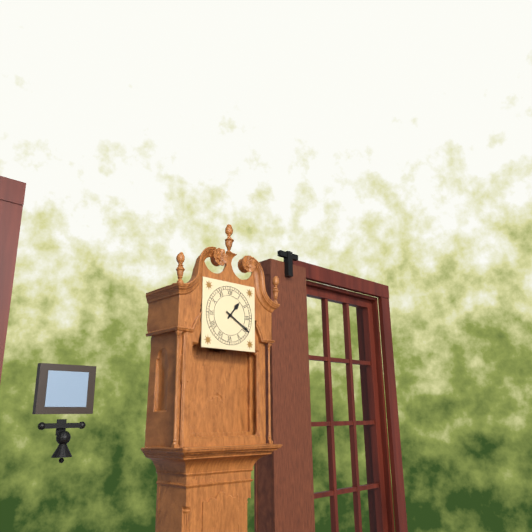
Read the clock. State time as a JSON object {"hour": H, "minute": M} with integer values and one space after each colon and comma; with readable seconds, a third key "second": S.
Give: {"hour": 1, "minute": 20}
